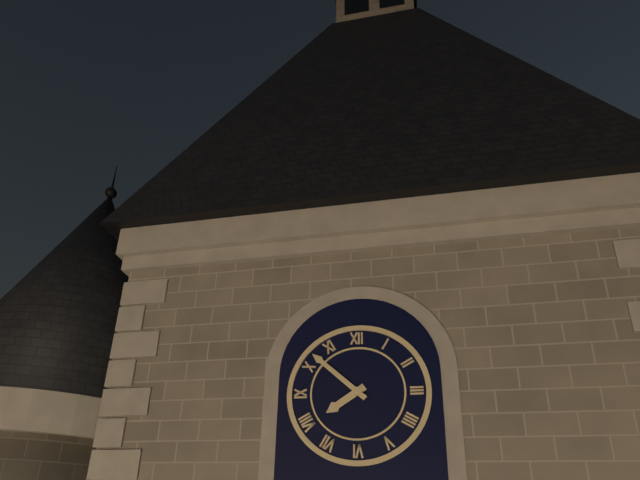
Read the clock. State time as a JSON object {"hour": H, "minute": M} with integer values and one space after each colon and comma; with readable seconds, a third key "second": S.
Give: {"hour": 7, "minute": 52}
